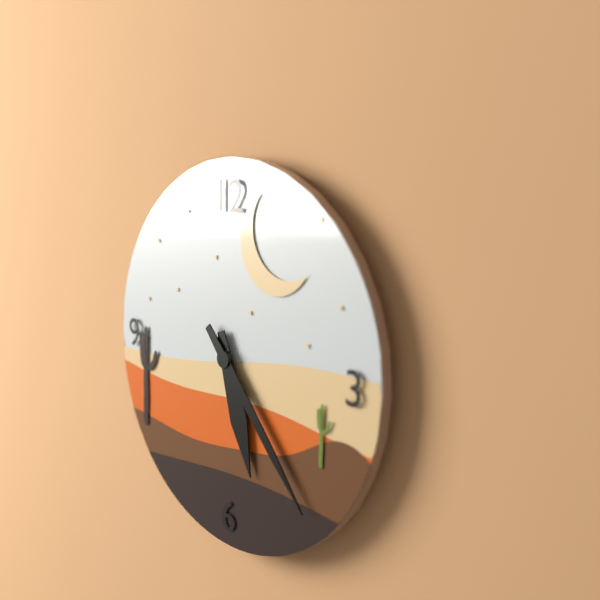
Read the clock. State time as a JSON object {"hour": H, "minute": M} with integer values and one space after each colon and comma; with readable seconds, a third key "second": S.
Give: {"hour": 5, "minute": 23}
